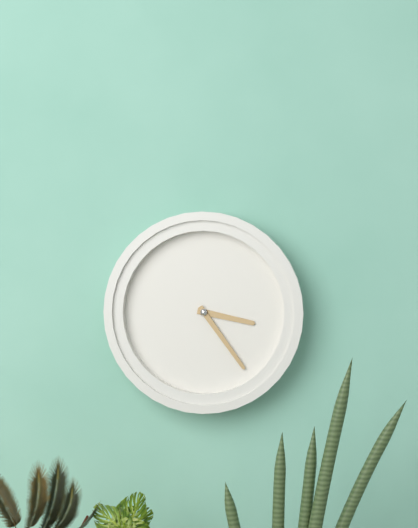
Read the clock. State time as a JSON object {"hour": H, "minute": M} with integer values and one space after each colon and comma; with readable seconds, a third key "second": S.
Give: {"hour": 3, "minute": 24}
